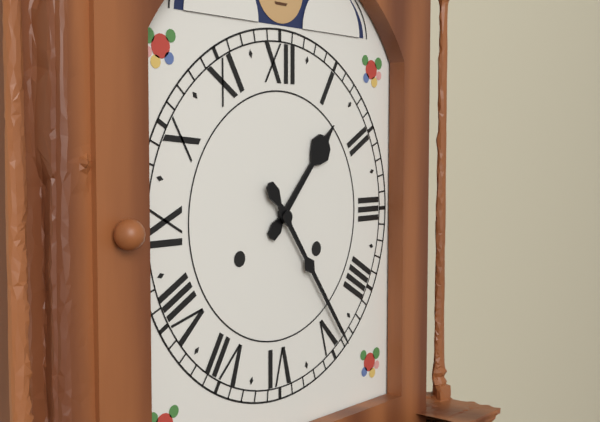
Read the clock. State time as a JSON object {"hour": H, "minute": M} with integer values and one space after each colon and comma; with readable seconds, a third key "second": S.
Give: {"hour": 1, "minute": 24}
